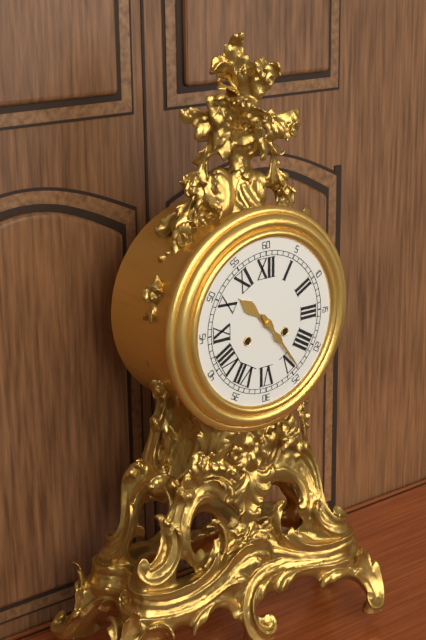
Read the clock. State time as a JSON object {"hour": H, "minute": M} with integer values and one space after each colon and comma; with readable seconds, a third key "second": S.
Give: {"hour": 10, "minute": 24}
